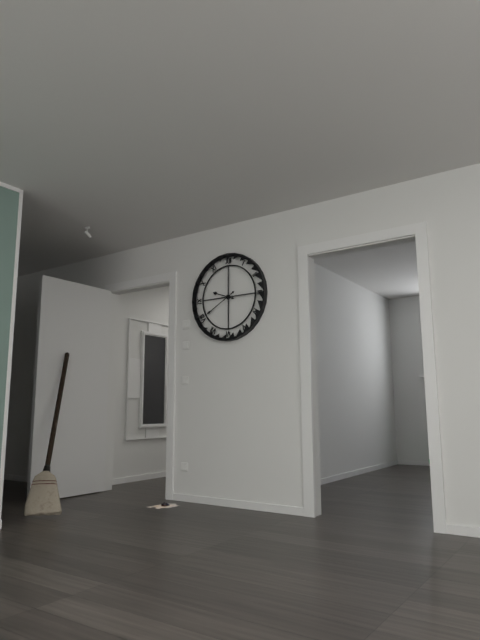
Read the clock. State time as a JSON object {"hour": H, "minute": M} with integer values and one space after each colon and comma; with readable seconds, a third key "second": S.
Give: {"hour": 9, "minute": 40}
